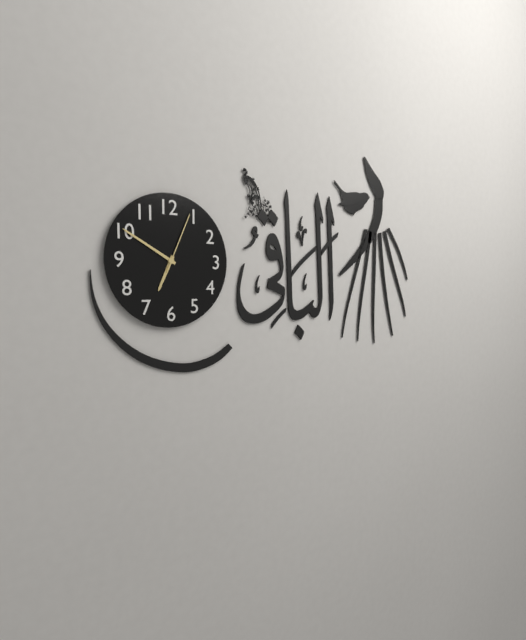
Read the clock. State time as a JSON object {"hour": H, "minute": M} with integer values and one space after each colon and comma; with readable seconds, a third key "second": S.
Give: {"hour": 6, "minute": 50, "second": 4}
